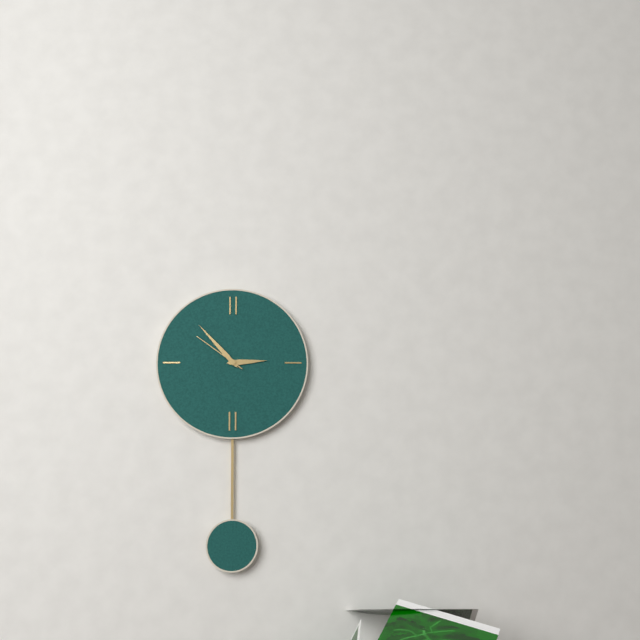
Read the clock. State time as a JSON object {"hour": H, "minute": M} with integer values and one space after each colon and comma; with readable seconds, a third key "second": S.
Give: {"hour": 2, "minute": 53, "second": 51}
